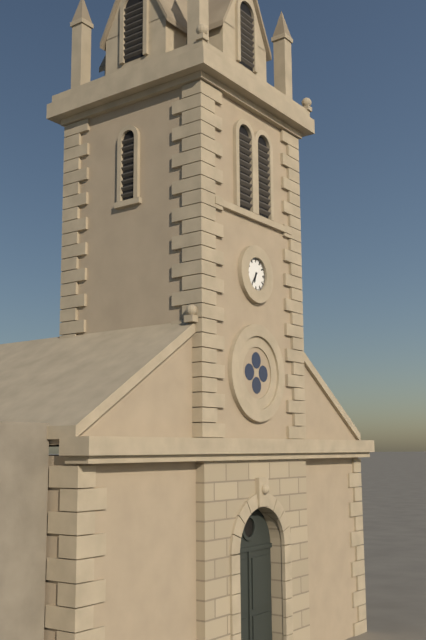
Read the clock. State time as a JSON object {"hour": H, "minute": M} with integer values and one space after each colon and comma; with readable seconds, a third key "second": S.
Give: {"hour": 6, "minute": 36}
